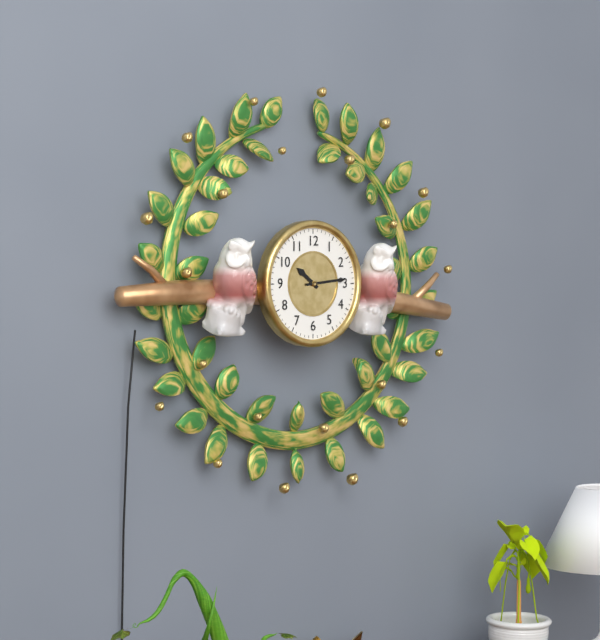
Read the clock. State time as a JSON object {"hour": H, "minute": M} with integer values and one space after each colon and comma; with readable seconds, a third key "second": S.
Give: {"hour": 10, "minute": 14}
